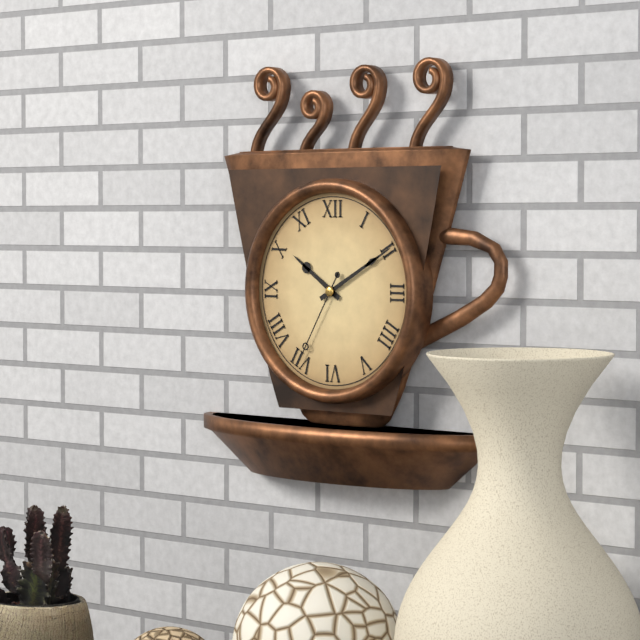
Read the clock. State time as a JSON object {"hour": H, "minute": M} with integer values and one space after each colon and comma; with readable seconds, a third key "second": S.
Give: {"hour": 10, "minute": 10, "second": 35}
